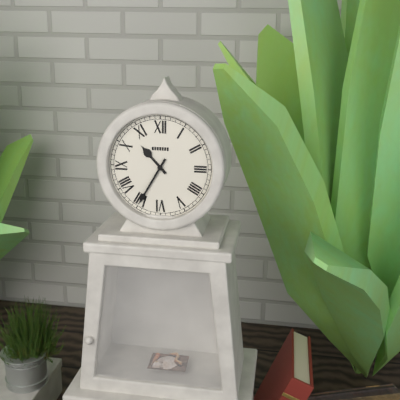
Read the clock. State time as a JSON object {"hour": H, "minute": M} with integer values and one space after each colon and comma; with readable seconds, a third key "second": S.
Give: {"hour": 10, "minute": 35}
